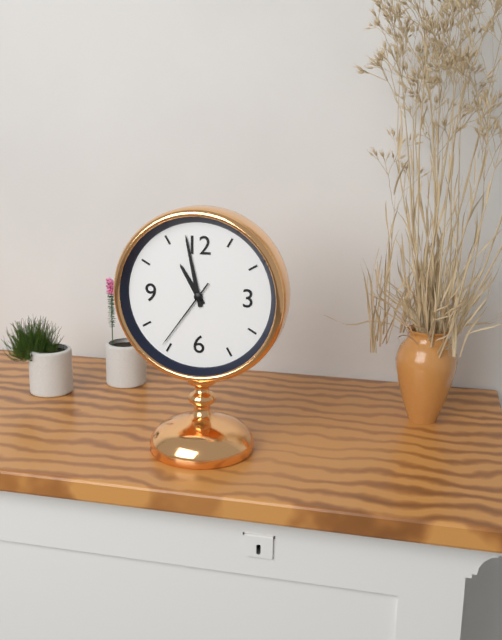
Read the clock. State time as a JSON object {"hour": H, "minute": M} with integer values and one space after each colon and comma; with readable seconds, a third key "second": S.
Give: {"hour": 10, "minute": 58, "second": 36}
